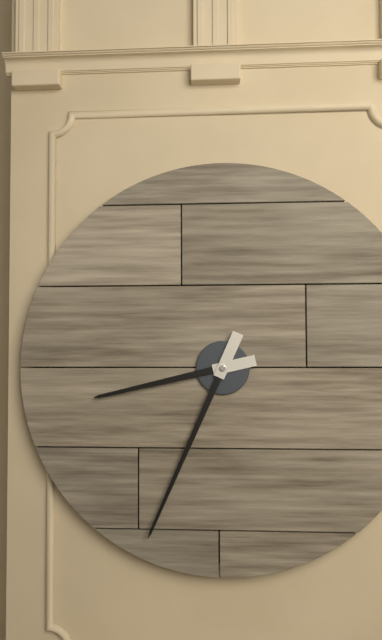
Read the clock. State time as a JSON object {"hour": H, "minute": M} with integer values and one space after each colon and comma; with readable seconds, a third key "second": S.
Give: {"hour": 8, "minute": 34}
